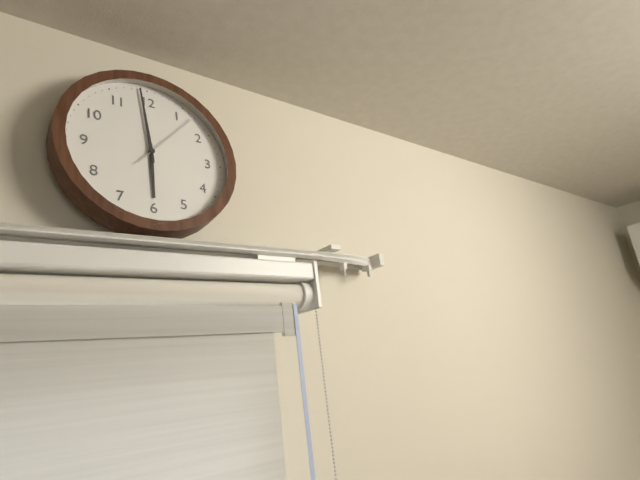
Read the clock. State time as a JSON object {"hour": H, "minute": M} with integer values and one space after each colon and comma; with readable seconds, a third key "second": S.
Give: {"hour": 5, "minute": 59, "second": 7}
